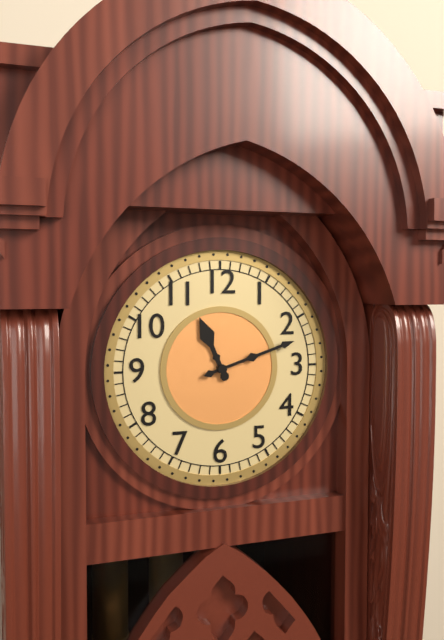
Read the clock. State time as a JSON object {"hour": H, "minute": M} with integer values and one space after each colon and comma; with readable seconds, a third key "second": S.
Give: {"hour": 11, "minute": 12}
